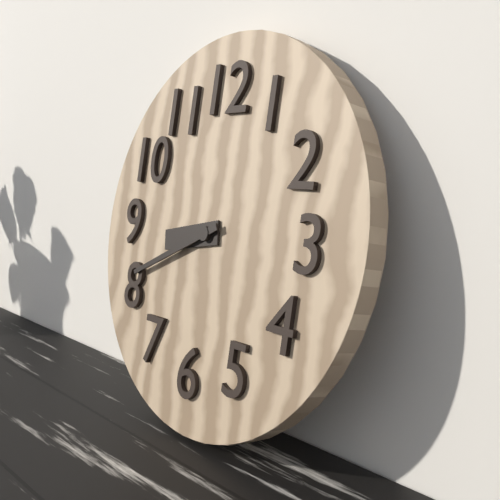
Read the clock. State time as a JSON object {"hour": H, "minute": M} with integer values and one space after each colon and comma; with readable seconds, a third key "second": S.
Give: {"hour": 8, "minute": 41}
